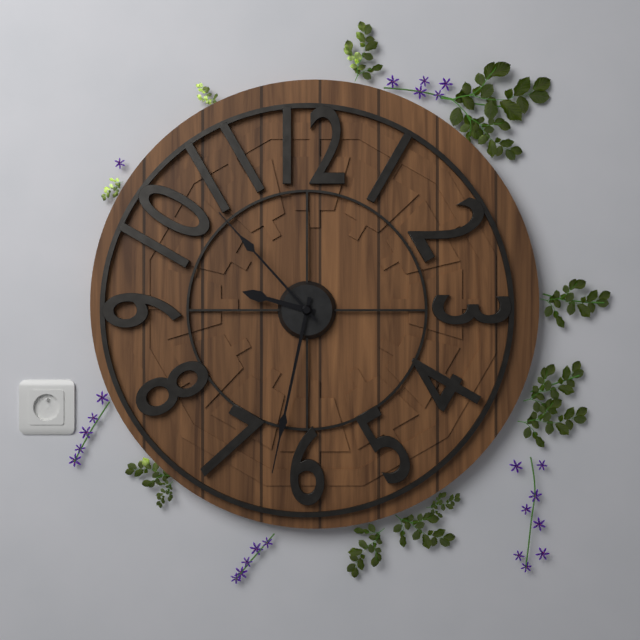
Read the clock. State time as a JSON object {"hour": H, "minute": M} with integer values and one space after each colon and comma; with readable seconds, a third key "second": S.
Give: {"hour": 9, "minute": 32, "second": 53}
